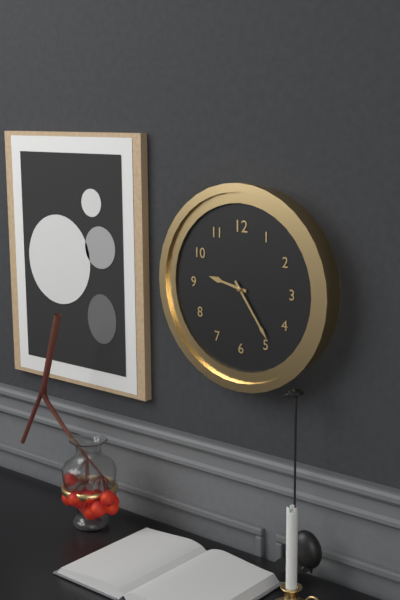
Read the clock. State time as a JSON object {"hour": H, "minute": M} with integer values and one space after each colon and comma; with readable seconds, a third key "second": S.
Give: {"hour": 9, "minute": 24}
